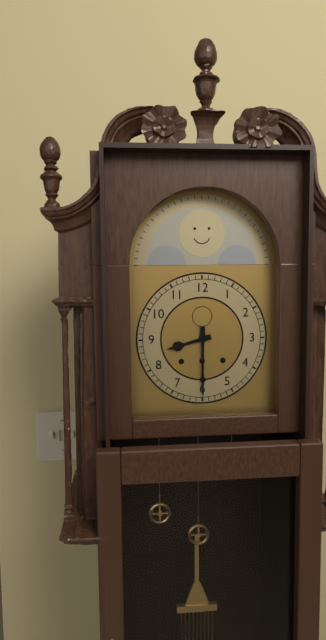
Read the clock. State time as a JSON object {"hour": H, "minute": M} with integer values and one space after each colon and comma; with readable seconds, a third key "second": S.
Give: {"hour": 8, "minute": 30}
